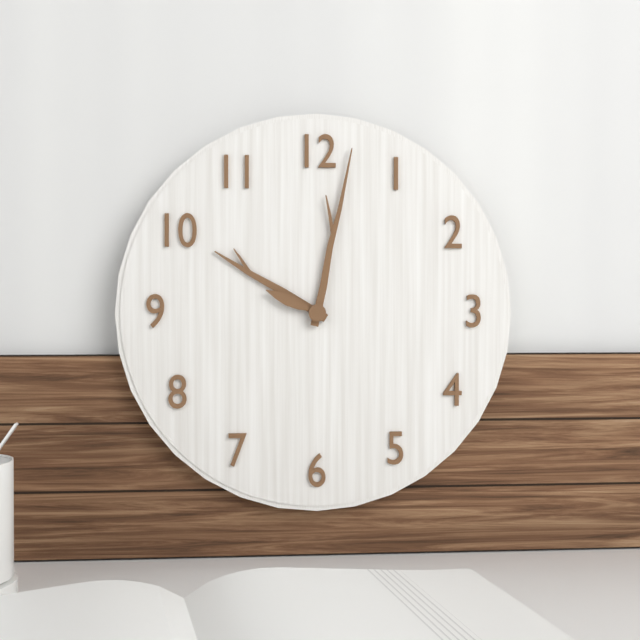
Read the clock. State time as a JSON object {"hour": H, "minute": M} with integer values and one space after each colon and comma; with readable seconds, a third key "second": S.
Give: {"hour": 10, "minute": 2, "second": 49}
